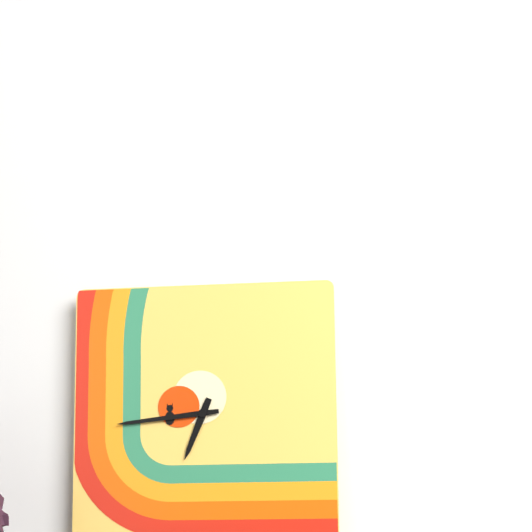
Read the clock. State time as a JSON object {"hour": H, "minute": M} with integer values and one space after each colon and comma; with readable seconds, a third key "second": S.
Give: {"hour": 6, "minute": 44}
